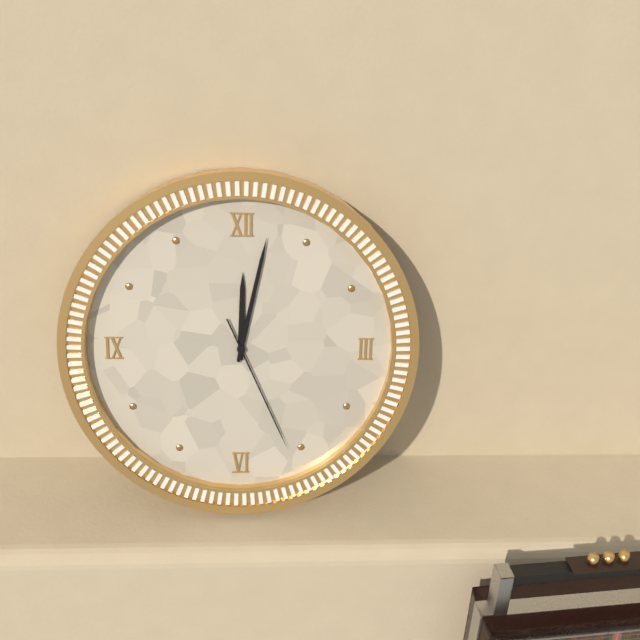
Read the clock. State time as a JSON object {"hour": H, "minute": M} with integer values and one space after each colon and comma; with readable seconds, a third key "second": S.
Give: {"hour": 12, "minute": 2, "second": 26}
